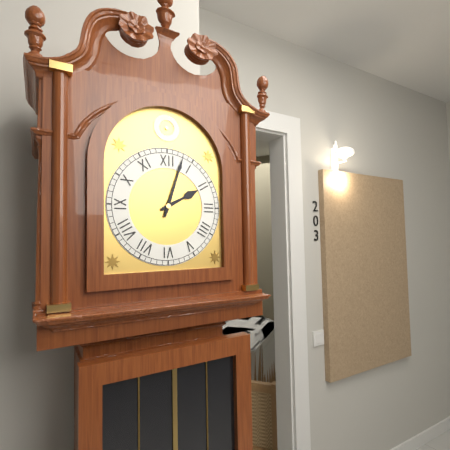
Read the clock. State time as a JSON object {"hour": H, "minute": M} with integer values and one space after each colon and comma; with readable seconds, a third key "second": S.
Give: {"hour": 2, "minute": 3}
